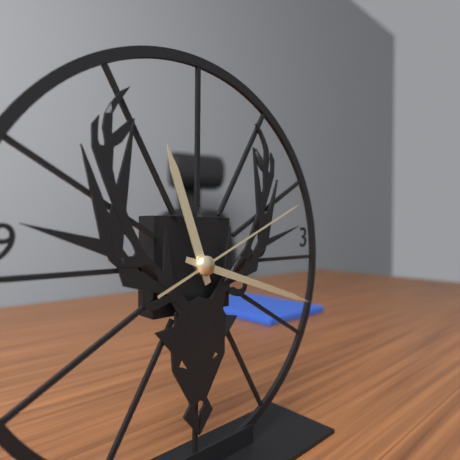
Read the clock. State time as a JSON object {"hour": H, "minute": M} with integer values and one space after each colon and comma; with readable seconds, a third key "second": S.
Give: {"hour": 11, "minute": 18, "second": 11}
